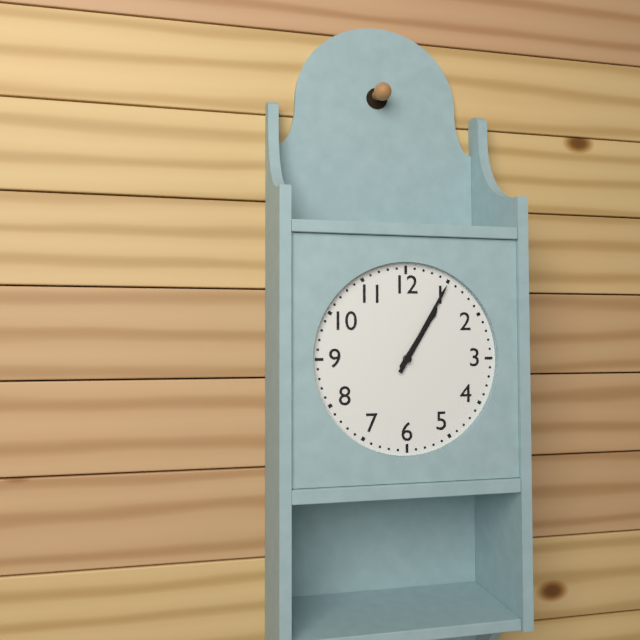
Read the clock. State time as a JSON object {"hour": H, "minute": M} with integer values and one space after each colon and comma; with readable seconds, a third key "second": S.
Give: {"hour": 1, "minute": 5}
